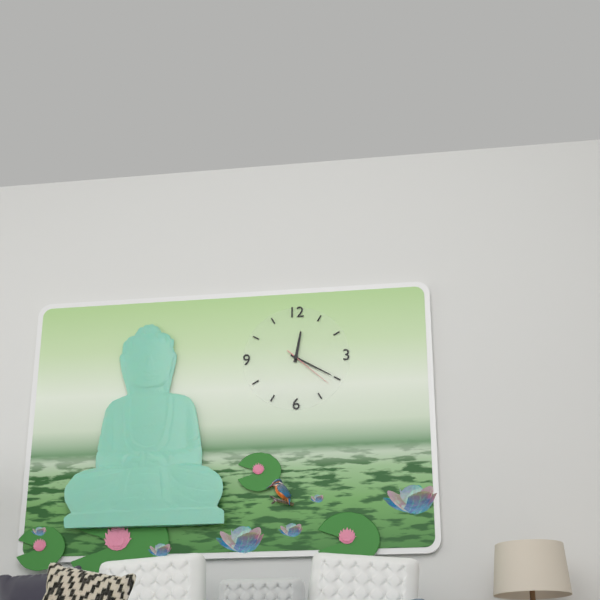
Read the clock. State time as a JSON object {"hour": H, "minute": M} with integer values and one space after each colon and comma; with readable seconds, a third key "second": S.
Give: {"hour": 12, "minute": 20, "second": 22}
